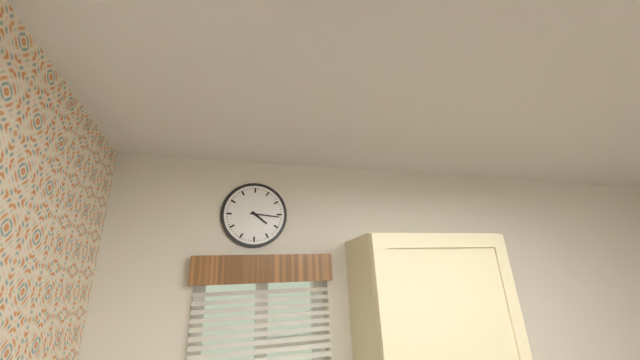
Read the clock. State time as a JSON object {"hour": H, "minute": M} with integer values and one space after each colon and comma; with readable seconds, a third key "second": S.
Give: {"hour": 4, "minute": 16}
